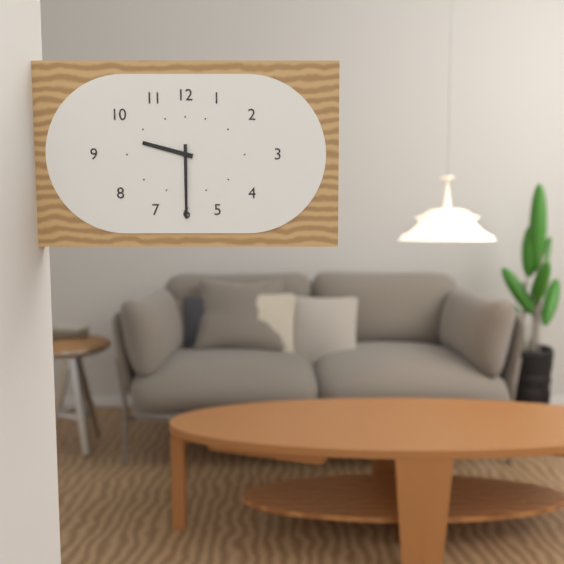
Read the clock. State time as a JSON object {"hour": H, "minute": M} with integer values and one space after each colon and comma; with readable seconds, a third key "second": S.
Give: {"hour": 9, "minute": 30}
